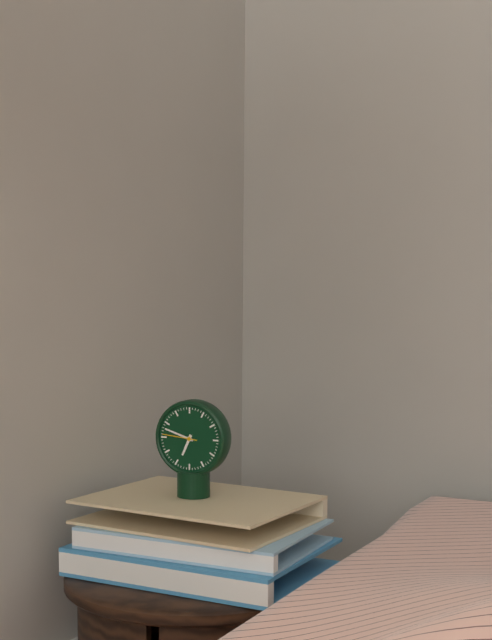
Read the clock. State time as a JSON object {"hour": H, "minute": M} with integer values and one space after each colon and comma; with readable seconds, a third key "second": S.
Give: {"hour": 6, "minute": 48}
